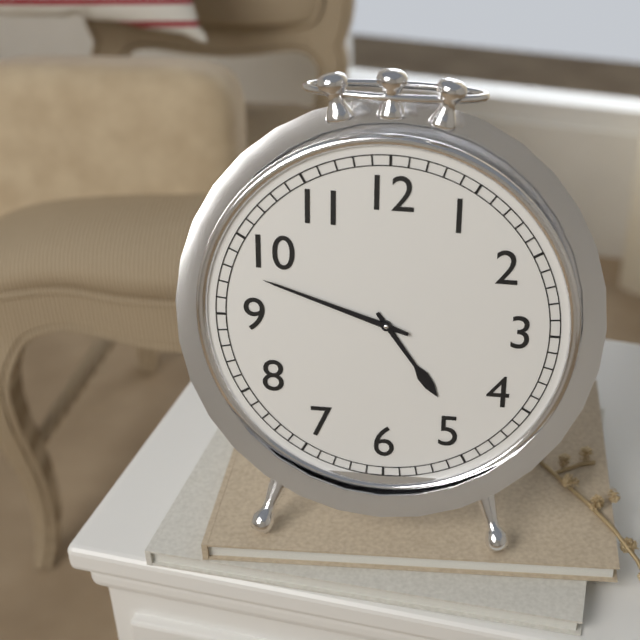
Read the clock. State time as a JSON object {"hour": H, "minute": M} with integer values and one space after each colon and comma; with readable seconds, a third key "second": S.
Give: {"hour": 4, "minute": 48}
